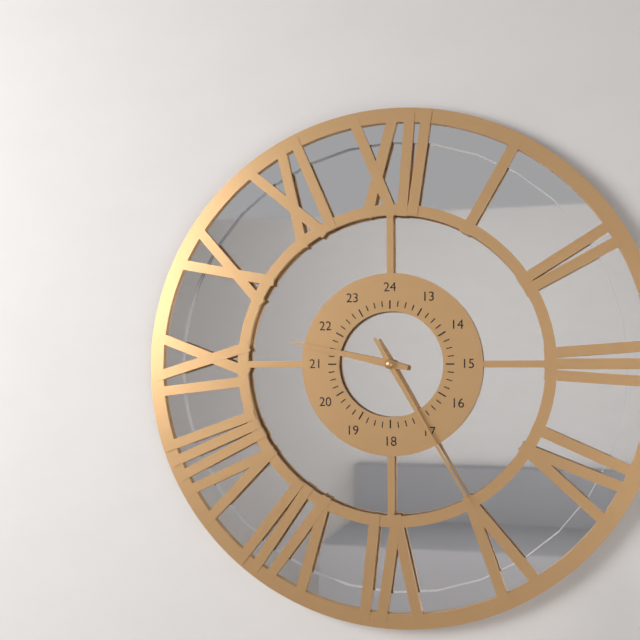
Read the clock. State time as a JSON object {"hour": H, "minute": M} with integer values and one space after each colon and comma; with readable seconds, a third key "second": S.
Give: {"hour": 9, "minute": 25}
